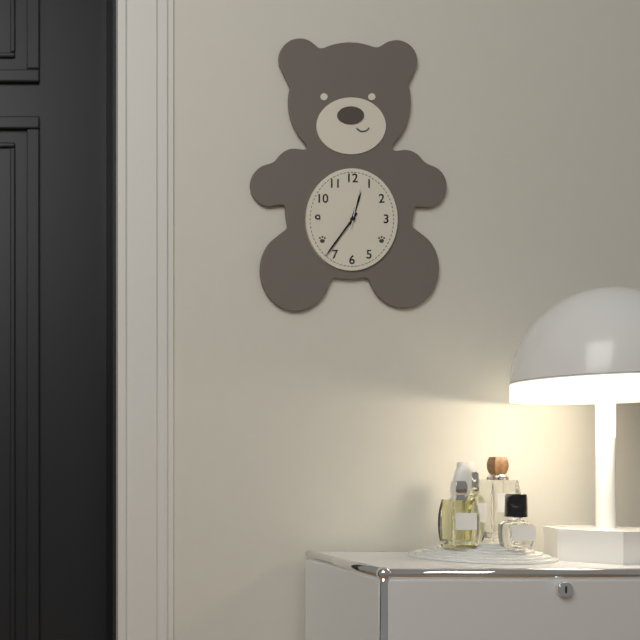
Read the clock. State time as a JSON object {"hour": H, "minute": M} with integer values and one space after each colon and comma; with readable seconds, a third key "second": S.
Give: {"hour": 12, "minute": 36}
